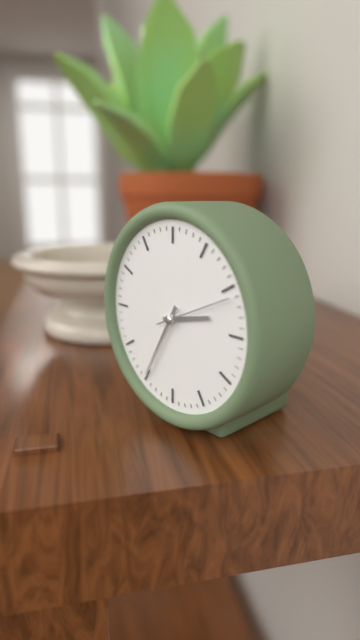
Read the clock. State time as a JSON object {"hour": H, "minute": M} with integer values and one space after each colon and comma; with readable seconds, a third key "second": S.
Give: {"hour": 2, "minute": 35, "second": 11}
